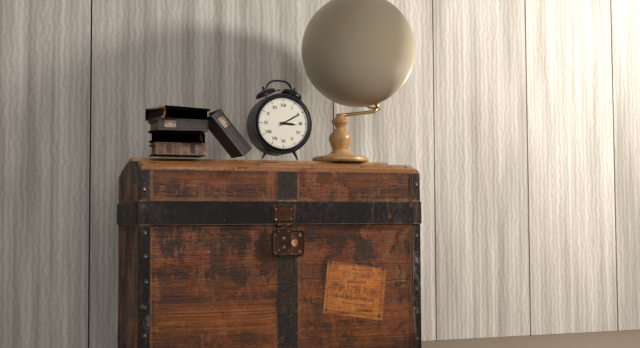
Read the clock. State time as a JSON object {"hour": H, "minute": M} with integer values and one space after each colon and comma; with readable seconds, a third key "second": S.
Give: {"hour": 3, "minute": 10}
